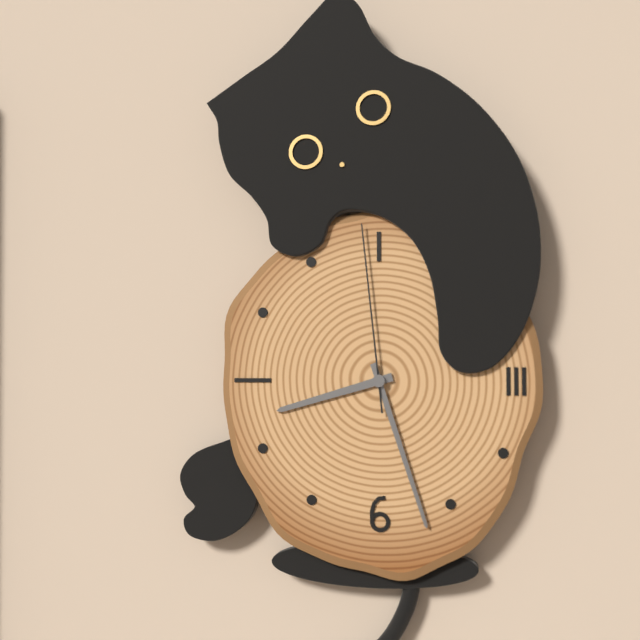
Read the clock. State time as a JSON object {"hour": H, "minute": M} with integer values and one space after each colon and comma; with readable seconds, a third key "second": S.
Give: {"hour": 8, "minute": 27, "second": 59}
